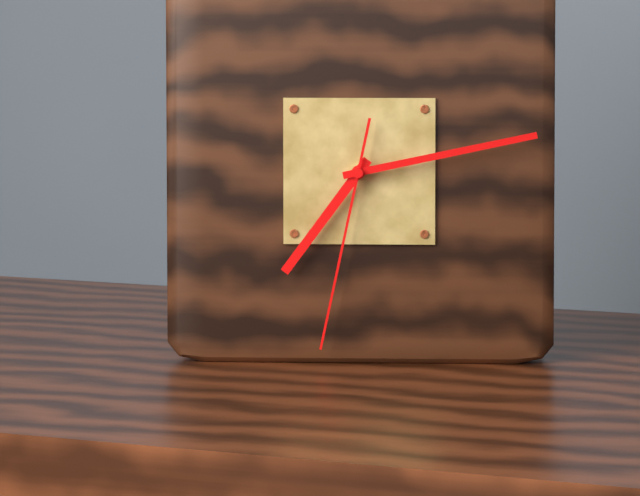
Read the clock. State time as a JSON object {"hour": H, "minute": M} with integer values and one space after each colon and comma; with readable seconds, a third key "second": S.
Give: {"hour": 7, "minute": 13, "second": 32}
